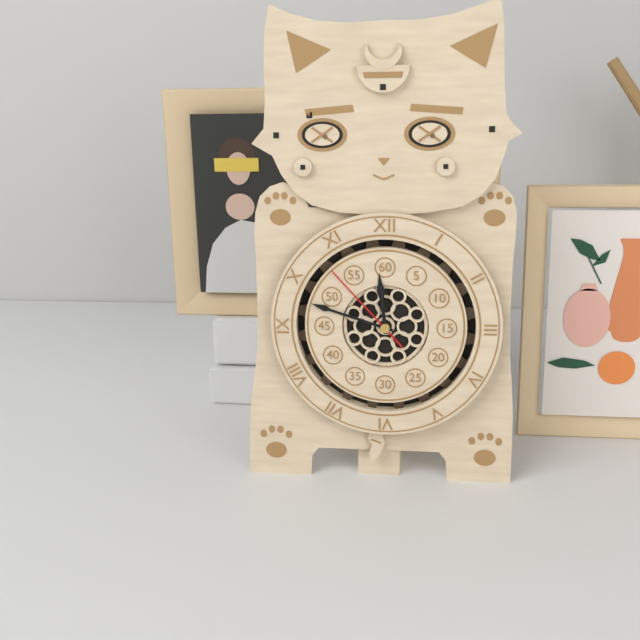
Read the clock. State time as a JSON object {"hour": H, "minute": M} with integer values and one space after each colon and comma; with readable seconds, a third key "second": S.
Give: {"hour": 11, "minute": 48, "second": 53}
